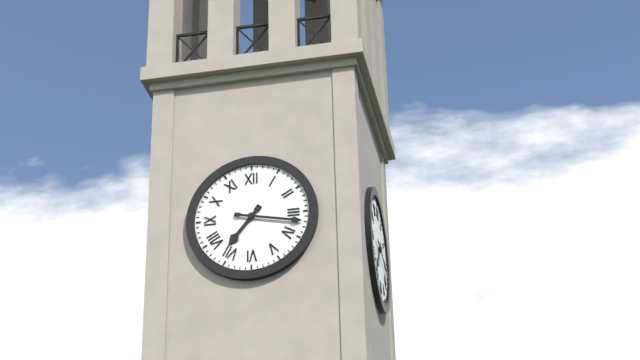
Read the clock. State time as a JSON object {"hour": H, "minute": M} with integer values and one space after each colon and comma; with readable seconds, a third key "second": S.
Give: {"hour": 7, "minute": 17}
